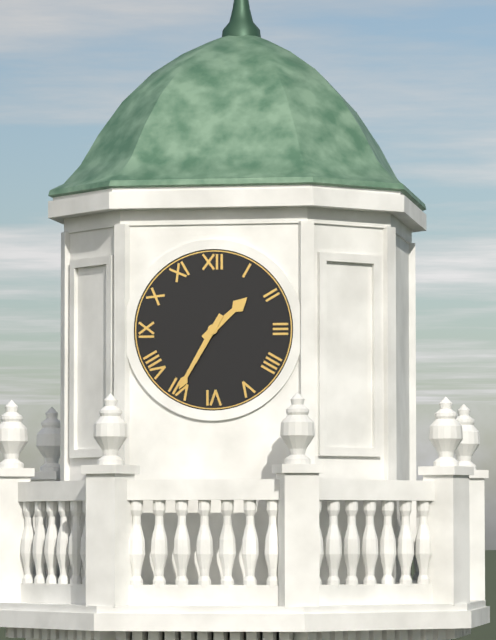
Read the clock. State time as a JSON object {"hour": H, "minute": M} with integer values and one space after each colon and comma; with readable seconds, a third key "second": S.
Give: {"hour": 1, "minute": 35}
